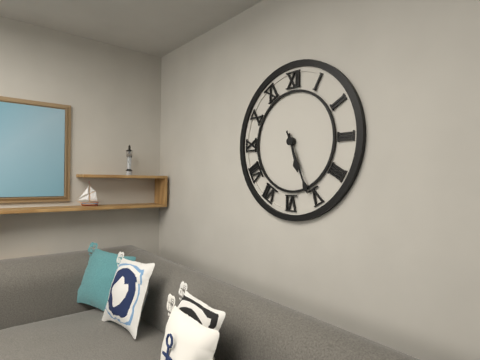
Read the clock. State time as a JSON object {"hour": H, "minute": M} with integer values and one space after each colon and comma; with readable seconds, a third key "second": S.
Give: {"hour": 5, "minute": 26}
